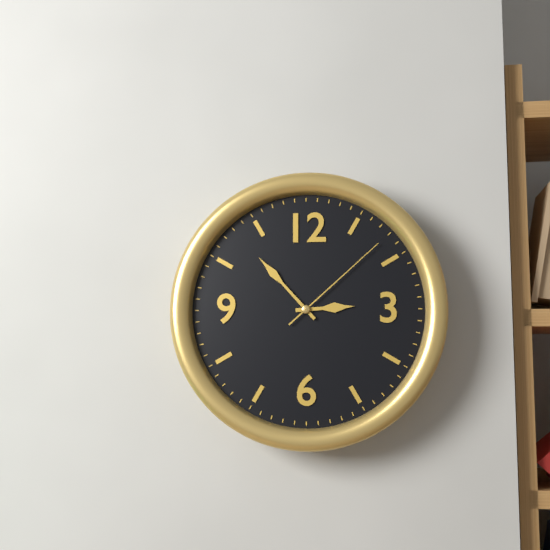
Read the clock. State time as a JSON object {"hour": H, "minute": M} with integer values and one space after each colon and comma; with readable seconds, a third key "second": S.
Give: {"hour": 2, "minute": 53, "second": 8}
